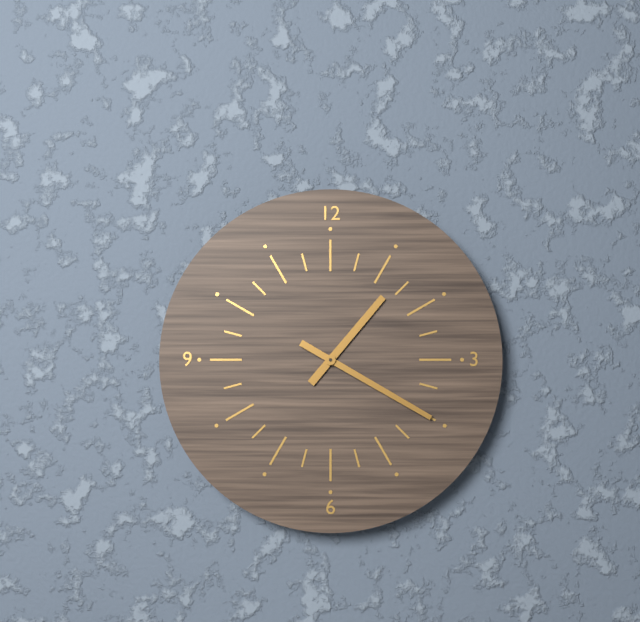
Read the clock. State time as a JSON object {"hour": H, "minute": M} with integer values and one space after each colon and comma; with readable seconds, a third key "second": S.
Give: {"hour": 1, "minute": 20}
